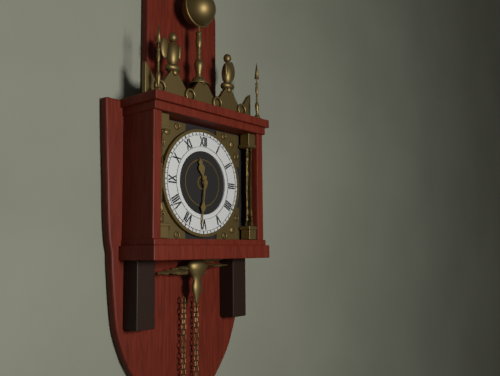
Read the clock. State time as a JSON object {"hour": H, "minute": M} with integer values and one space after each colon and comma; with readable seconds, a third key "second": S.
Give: {"hour": 11, "minute": 31}
